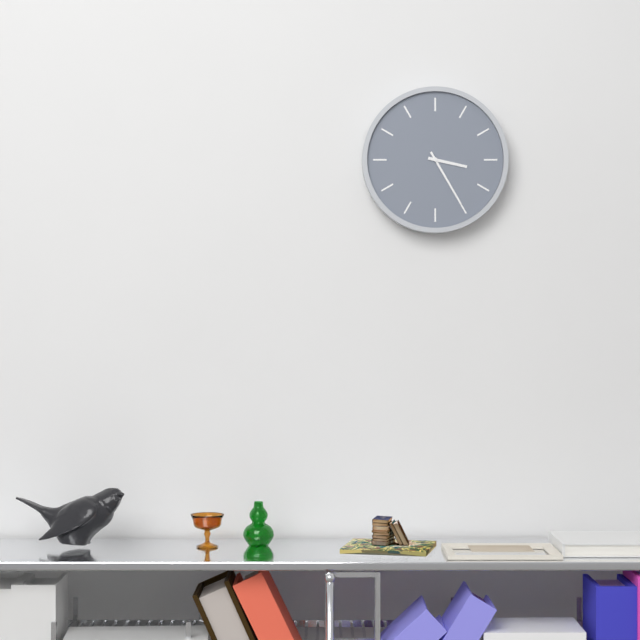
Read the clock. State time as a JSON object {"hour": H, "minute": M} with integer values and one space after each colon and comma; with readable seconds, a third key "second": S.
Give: {"hour": 3, "minute": 25}
